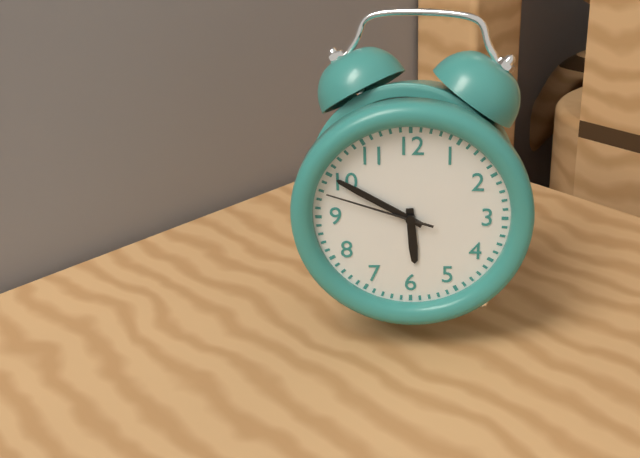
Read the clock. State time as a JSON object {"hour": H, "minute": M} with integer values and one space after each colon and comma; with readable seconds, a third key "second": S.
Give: {"hour": 5, "minute": 50, "second": 48}
